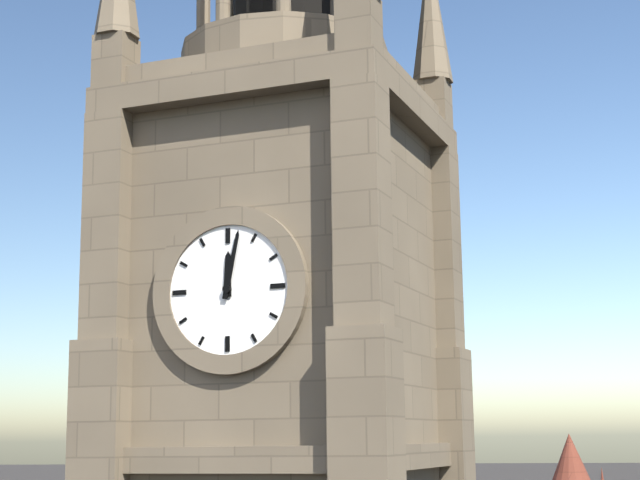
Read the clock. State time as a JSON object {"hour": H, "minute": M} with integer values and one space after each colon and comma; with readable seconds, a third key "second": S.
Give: {"hour": 12, "minute": 2}
